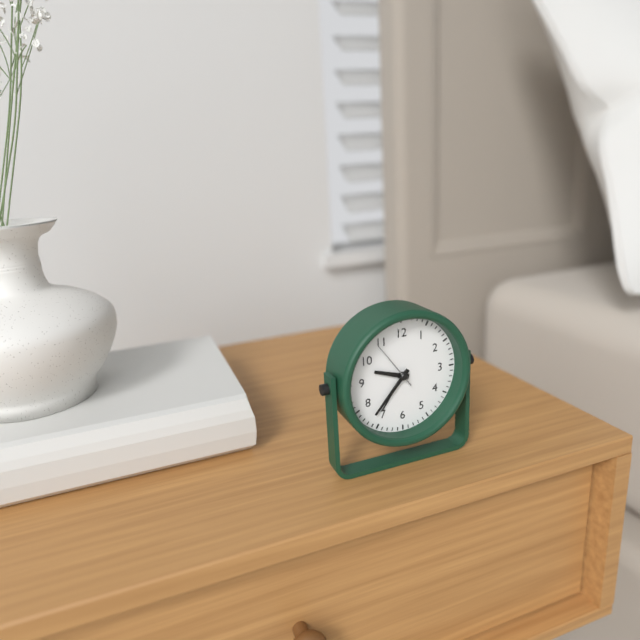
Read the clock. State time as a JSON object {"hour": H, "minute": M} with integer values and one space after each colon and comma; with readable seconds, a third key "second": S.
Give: {"hour": 9, "minute": 37, "second": 54}
